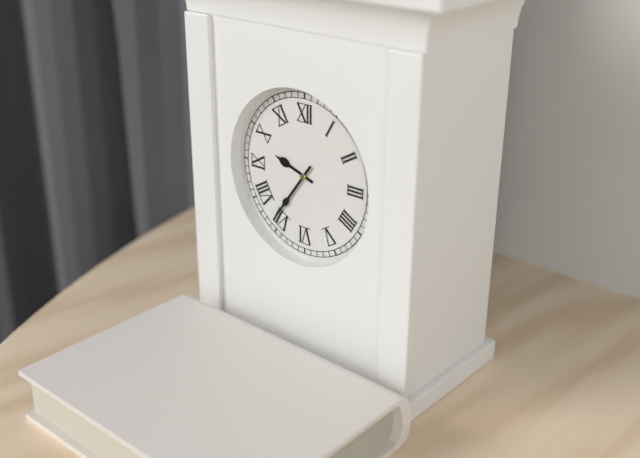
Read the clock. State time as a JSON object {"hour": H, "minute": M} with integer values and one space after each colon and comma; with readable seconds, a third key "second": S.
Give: {"hour": 9, "minute": 36}
